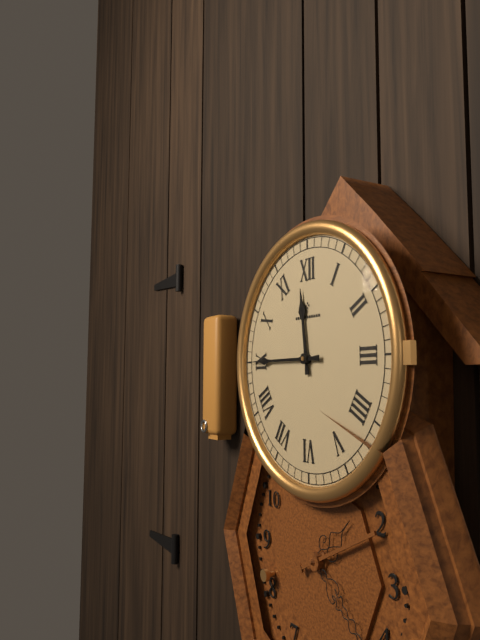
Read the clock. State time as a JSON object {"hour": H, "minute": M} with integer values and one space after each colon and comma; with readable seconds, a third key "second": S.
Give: {"hour": 11, "minute": 45}
